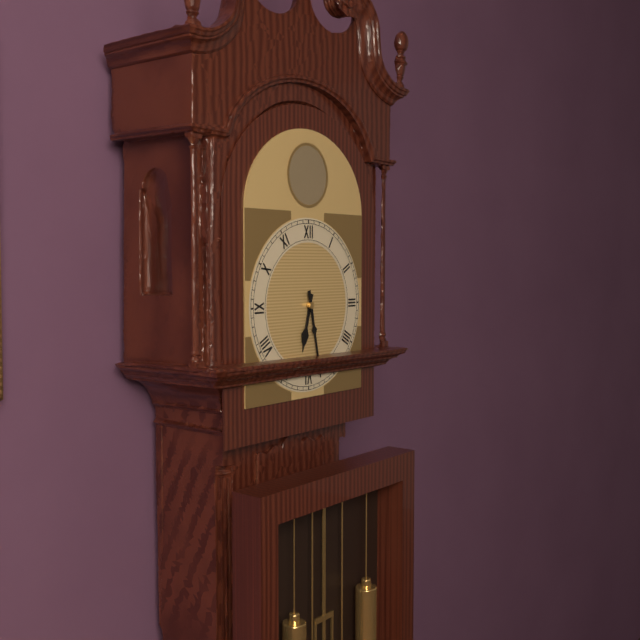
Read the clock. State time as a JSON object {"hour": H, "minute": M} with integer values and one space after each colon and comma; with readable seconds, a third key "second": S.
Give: {"hour": 6, "minute": 28}
